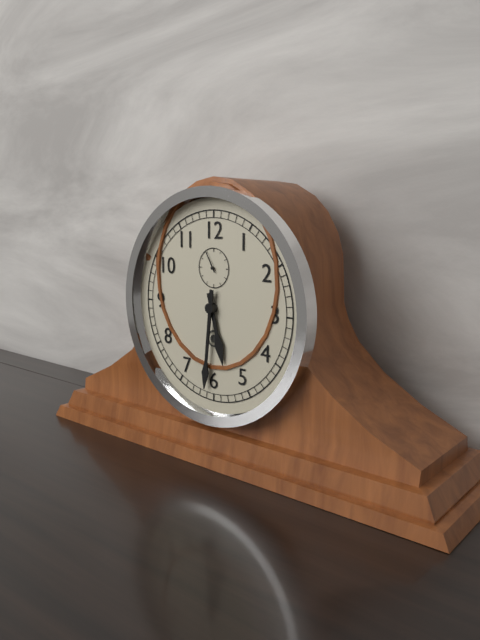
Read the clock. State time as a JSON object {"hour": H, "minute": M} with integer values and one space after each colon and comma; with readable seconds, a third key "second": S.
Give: {"hour": 5, "minute": 31}
